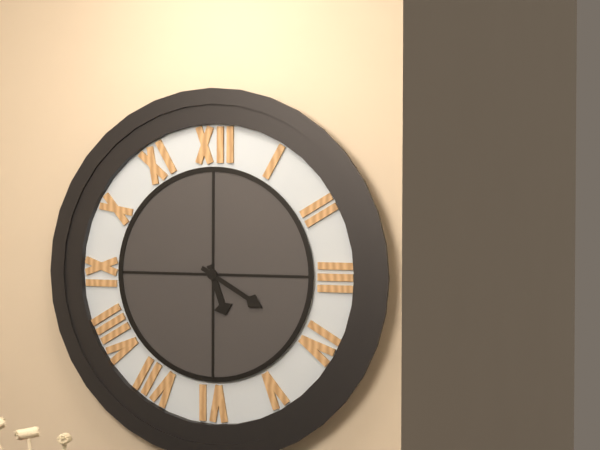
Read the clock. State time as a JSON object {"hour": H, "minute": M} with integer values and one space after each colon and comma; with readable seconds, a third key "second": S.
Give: {"hour": 5, "minute": 20}
